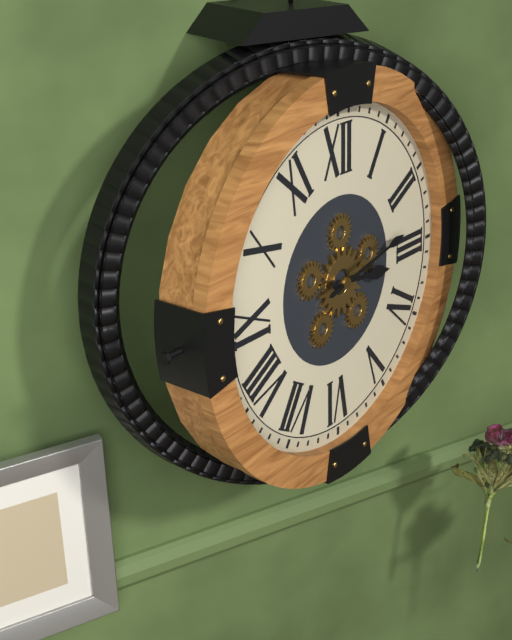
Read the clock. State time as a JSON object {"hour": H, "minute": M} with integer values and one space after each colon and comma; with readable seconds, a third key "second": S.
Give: {"hour": 3, "minute": 13}
